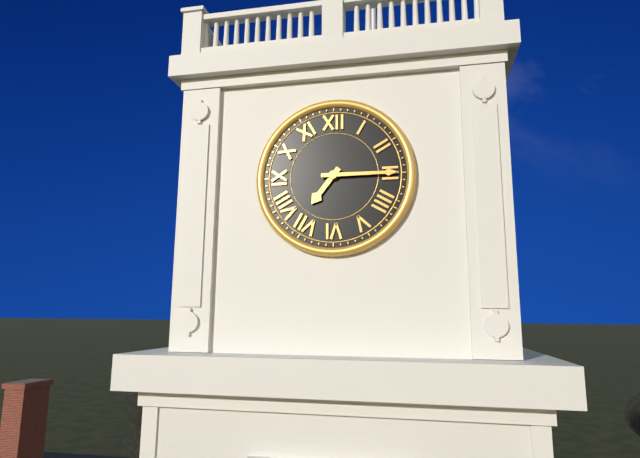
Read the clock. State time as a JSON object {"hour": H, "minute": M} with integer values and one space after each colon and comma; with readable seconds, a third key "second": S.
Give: {"hour": 7, "minute": 15}
